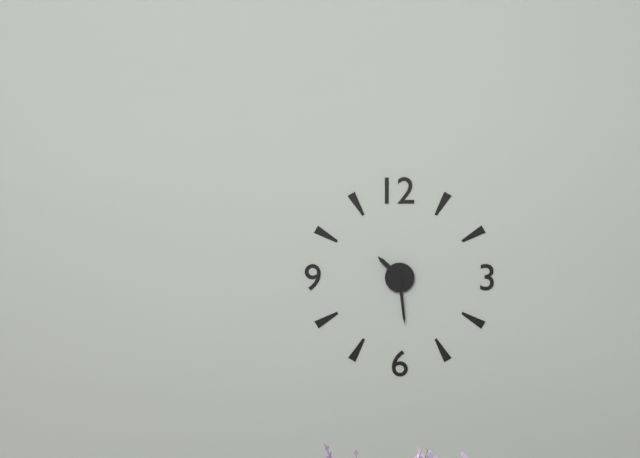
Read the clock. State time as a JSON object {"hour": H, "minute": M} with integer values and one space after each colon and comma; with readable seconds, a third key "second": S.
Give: {"hour": 10, "minute": 29}
